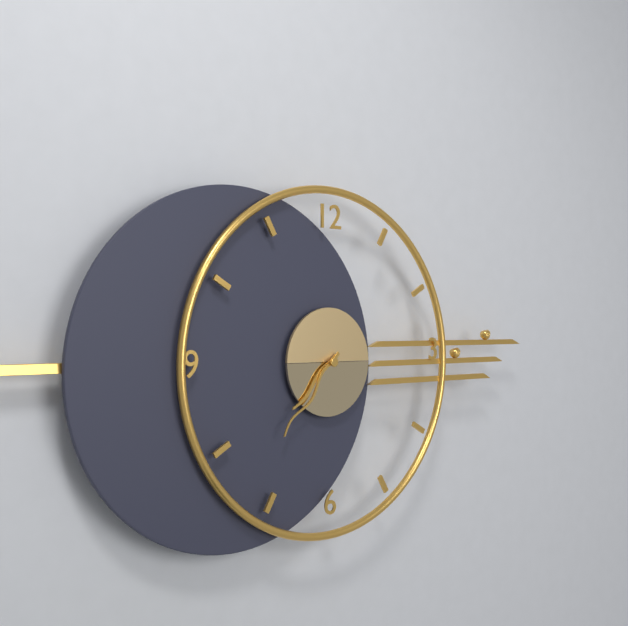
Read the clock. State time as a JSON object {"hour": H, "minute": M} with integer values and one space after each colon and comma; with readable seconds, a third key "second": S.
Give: {"hour": 7, "minute": 37}
